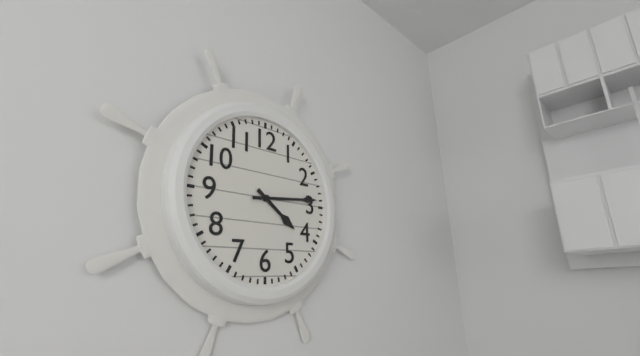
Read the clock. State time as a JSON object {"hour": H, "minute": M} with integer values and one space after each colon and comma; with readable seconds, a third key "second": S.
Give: {"hour": 4, "minute": 14}
